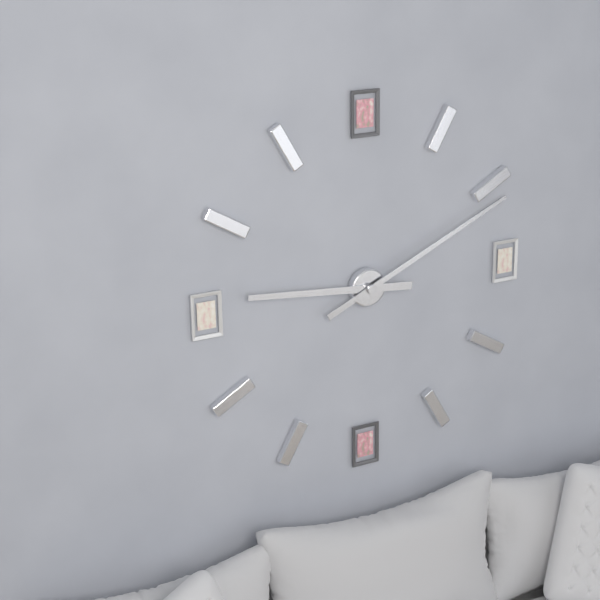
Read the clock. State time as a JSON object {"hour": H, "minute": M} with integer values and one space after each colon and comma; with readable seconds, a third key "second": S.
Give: {"hour": 9, "minute": 11}
